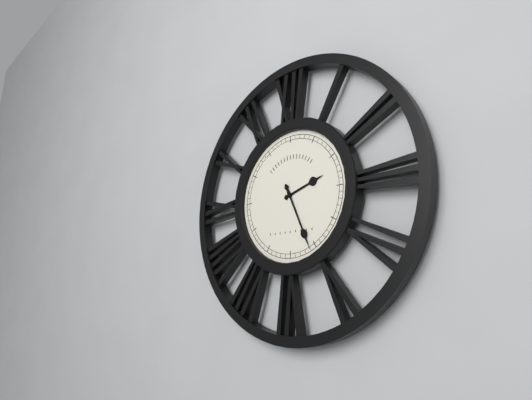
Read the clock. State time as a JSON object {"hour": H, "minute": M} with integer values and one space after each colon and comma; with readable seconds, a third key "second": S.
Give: {"hour": 2, "minute": 26}
